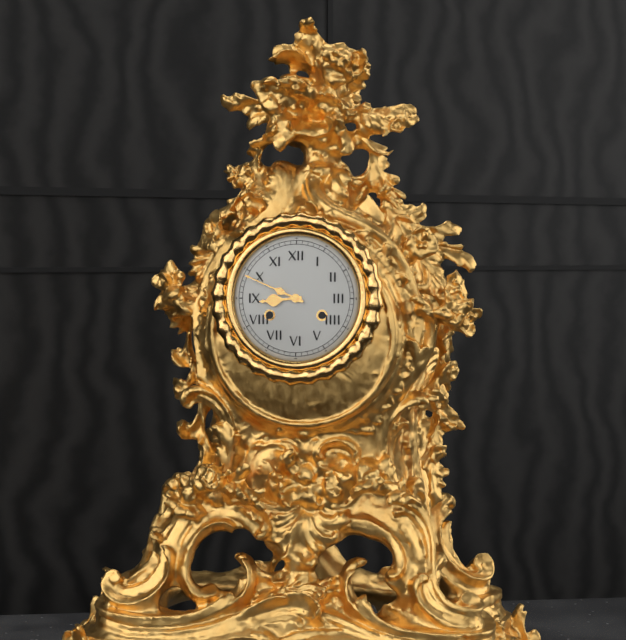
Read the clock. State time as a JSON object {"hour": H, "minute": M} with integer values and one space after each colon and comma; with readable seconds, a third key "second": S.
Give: {"hour": 8, "minute": 49}
